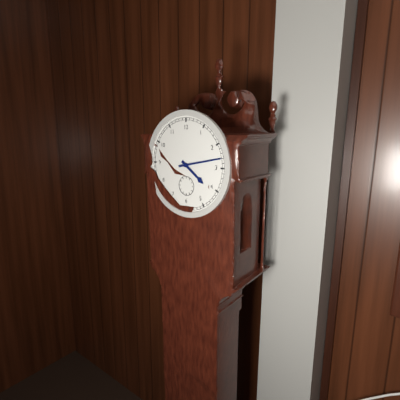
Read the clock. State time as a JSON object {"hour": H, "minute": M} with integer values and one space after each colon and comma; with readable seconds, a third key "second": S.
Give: {"hour": 4, "minute": 13}
